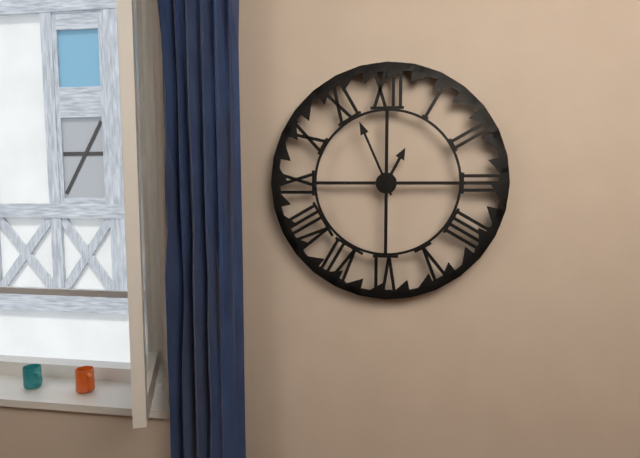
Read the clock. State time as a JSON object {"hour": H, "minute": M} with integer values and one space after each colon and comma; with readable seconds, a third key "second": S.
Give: {"hour": 12, "minute": 56}
